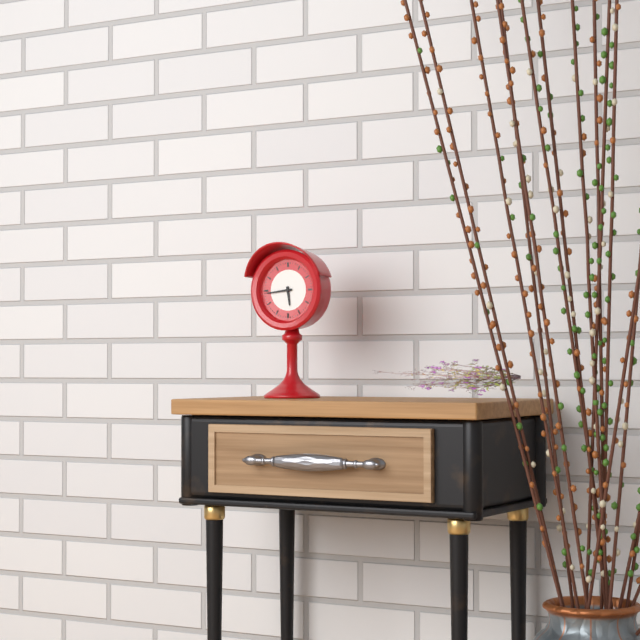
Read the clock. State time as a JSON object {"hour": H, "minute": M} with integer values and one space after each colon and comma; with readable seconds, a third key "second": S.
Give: {"hour": 5, "minute": 44}
